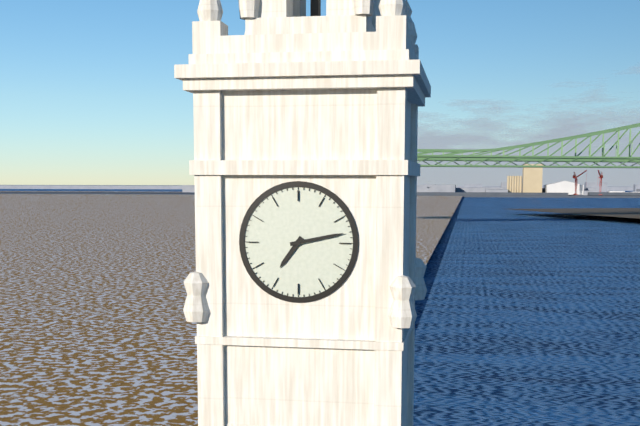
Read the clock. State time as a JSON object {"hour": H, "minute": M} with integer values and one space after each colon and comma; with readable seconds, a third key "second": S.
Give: {"hour": 7, "minute": 13}
